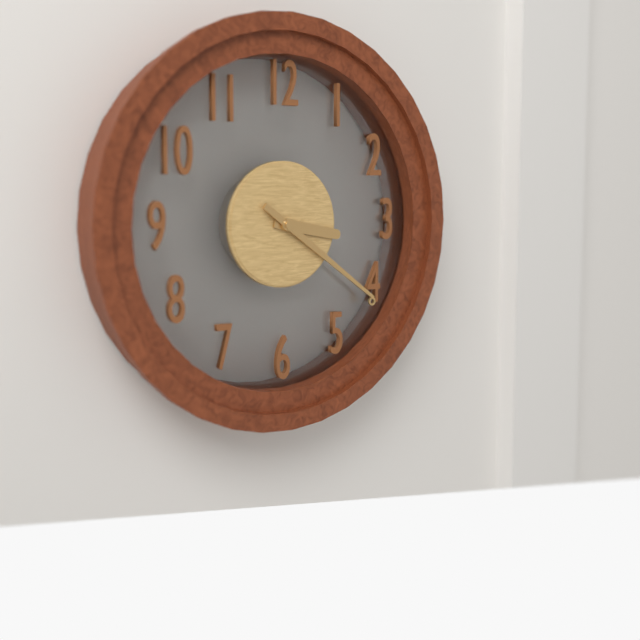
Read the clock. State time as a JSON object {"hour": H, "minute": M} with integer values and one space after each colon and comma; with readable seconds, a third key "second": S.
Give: {"hour": 3, "minute": 21}
